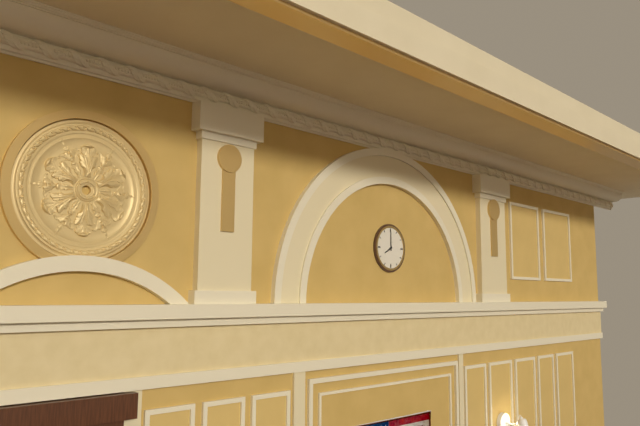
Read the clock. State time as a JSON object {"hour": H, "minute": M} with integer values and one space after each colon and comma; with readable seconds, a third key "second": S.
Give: {"hour": 8, "minute": 0}
